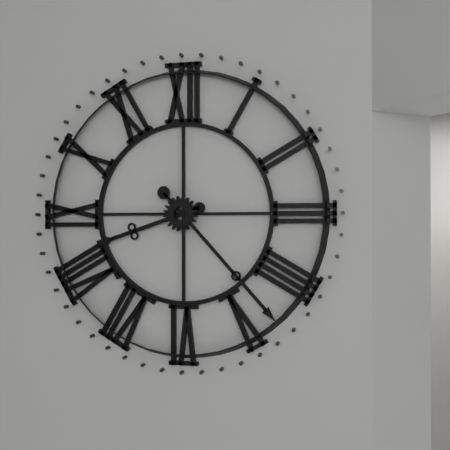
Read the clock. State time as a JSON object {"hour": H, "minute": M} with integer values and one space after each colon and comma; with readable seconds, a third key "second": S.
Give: {"hour": 8, "minute": 23}
